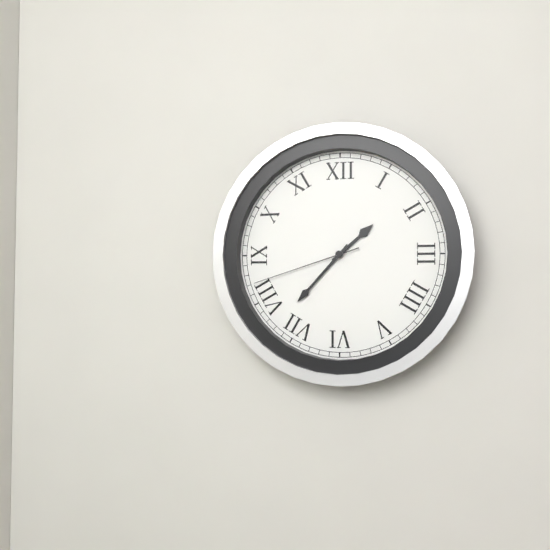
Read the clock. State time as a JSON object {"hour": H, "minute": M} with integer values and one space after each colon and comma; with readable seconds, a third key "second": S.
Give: {"hour": 1, "minute": 37, "second": 42}
